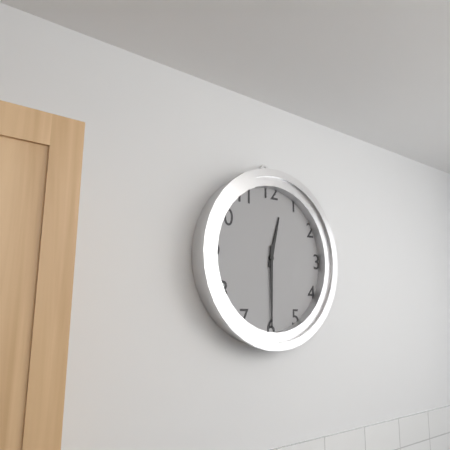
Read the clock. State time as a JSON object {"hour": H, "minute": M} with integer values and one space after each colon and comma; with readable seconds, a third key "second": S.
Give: {"hour": 12, "minute": 30}
